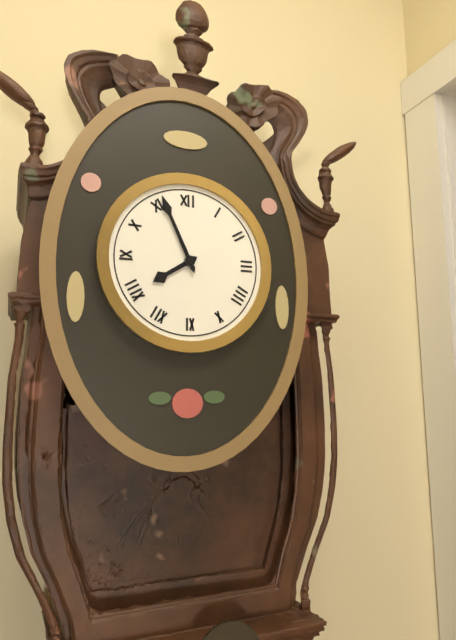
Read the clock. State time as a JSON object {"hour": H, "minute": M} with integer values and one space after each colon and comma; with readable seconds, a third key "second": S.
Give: {"hour": 7, "minute": 56}
